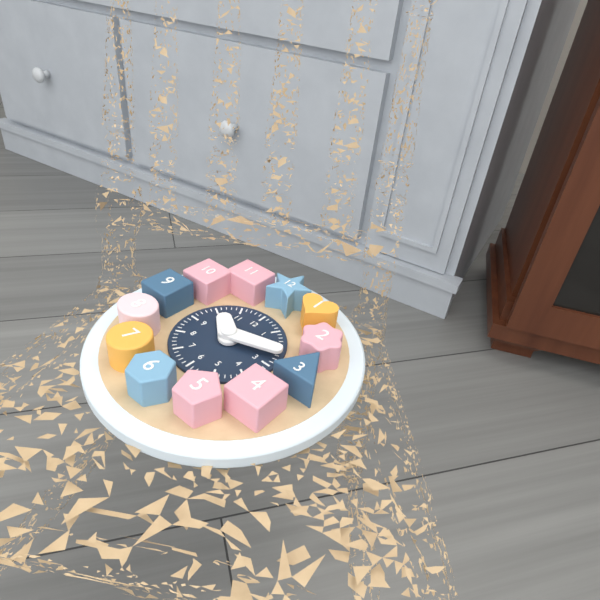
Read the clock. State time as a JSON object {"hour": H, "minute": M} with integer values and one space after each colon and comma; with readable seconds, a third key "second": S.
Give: {"hour": 10, "minute": 12}
